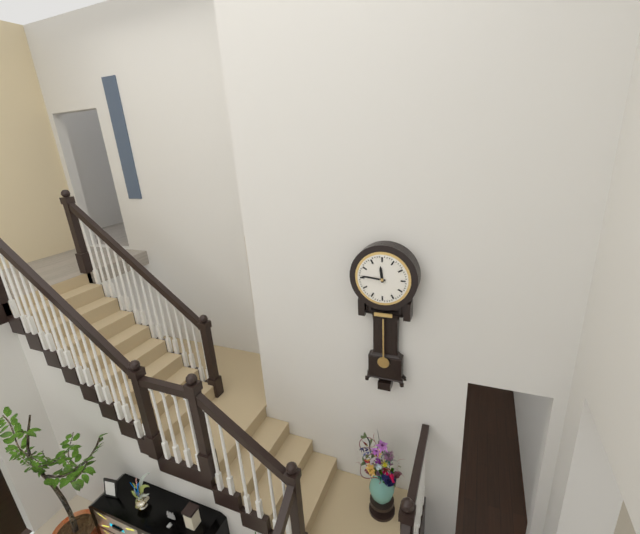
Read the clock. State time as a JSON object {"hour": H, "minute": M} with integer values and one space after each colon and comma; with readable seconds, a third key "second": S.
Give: {"hour": 11, "minute": 46}
